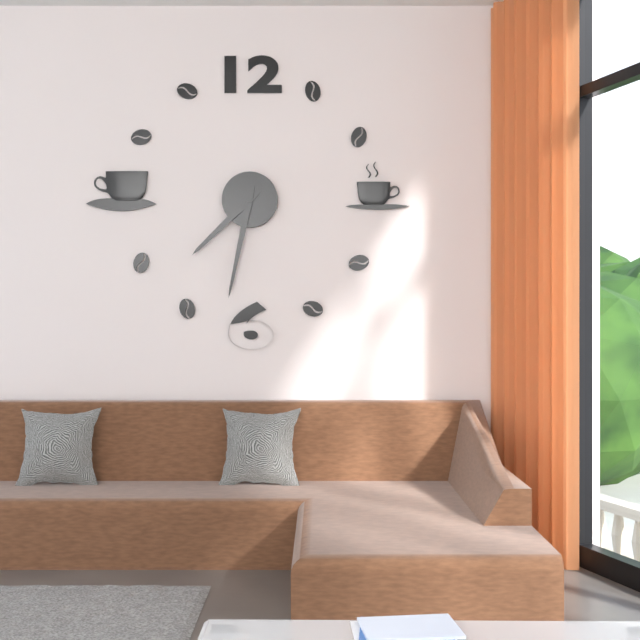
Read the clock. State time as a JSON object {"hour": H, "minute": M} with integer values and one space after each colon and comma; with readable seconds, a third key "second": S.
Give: {"hour": 7, "minute": 32}
